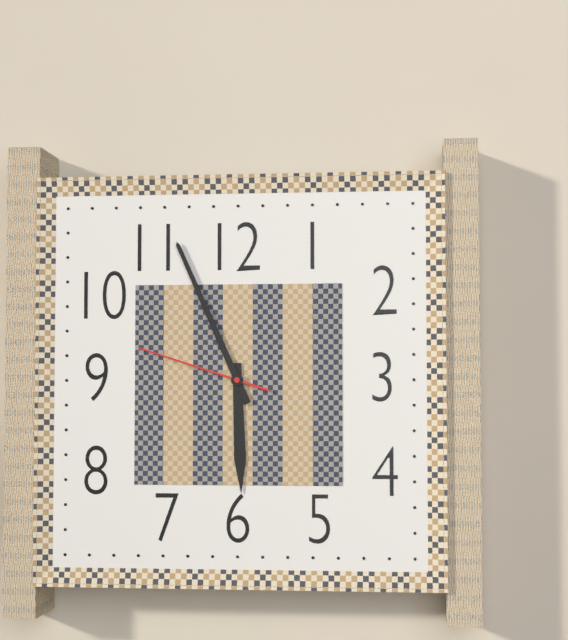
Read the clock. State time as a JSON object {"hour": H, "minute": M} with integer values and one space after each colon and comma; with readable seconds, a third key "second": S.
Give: {"hour": 5, "minute": 56, "second": 48}
